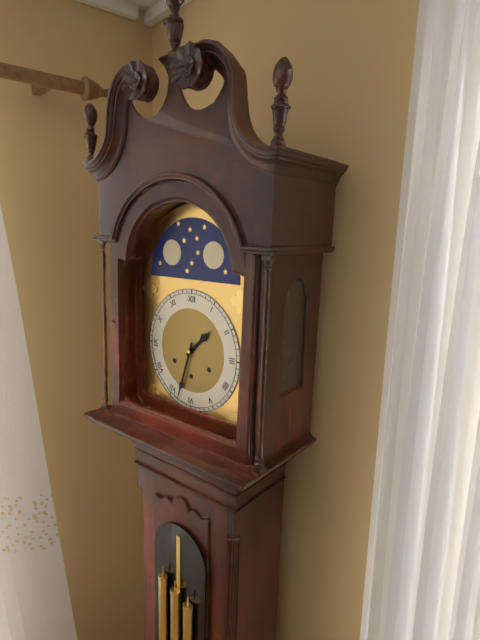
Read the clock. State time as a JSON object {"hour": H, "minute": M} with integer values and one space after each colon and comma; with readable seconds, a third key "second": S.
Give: {"hour": 1, "minute": 33}
